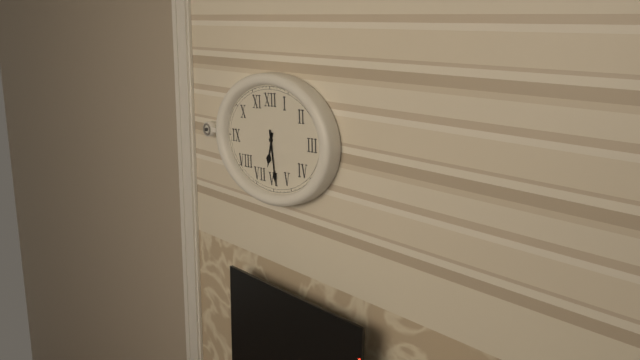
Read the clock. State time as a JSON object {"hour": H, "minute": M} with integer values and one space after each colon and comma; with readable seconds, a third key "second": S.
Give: {"hour": 6, "minute": 29}
